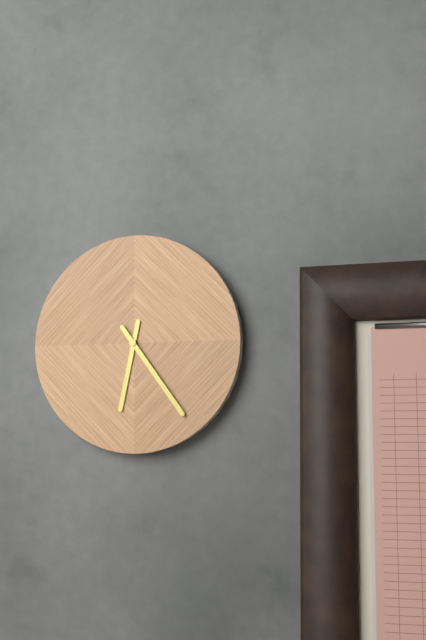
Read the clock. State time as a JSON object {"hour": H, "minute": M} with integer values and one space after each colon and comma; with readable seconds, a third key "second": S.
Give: {"hour": 6, "minute": 24}
